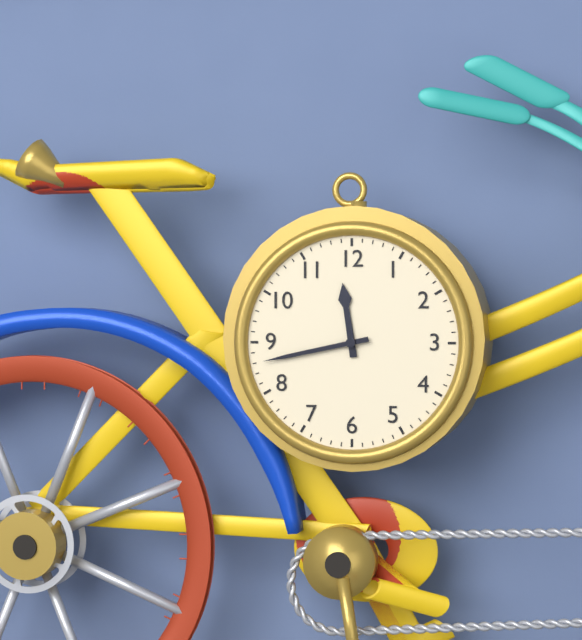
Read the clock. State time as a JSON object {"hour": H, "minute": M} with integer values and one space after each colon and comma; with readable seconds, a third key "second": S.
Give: {"hour": 11, "minute": 43}
